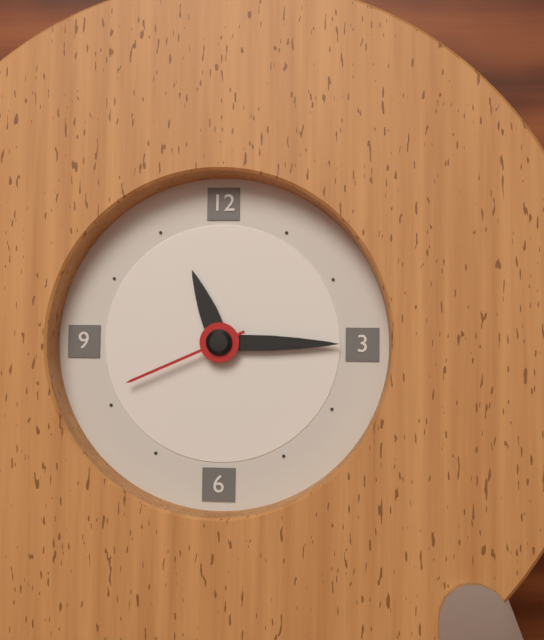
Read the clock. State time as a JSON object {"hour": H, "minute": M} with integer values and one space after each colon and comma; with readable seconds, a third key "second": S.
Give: {"hour": 11, "minute": 15, "second": 41}
